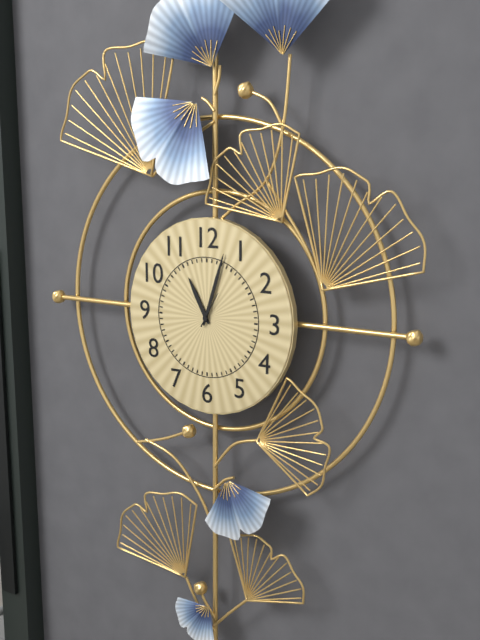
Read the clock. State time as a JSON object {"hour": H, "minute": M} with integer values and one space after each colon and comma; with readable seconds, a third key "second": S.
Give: {"hour": 11, "minute": 3}
